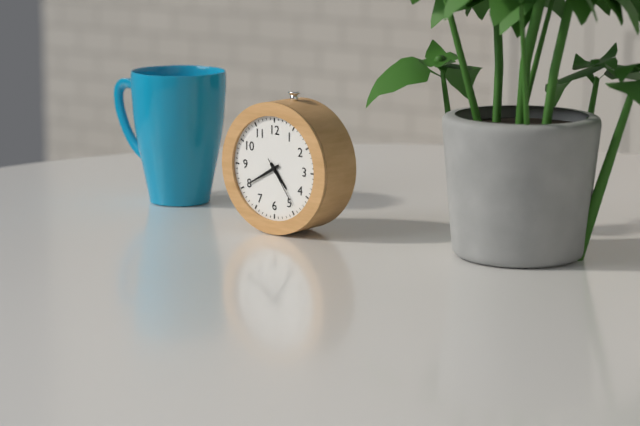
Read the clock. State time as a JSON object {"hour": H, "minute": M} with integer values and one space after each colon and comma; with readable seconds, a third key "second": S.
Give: {"hour": 4, "minute": 40, "second": 24}
